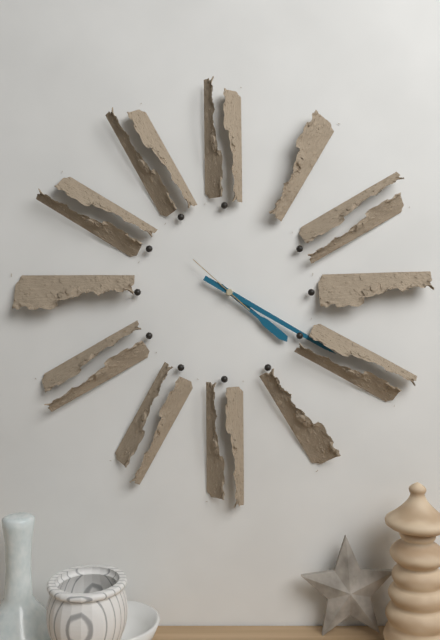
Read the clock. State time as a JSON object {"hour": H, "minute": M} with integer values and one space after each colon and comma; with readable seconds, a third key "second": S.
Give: {"hour": 4, "minute": 20, "second": 52}
